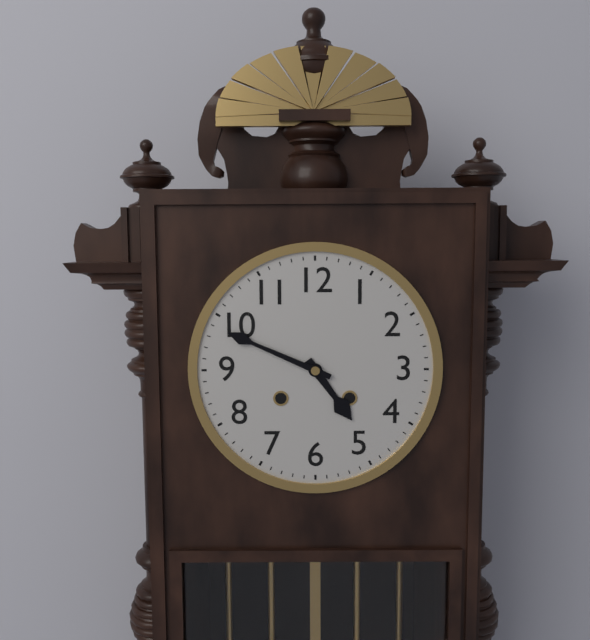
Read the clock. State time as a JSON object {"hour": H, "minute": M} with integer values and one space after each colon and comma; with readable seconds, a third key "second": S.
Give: {"hour": 4, "minute": 49}
